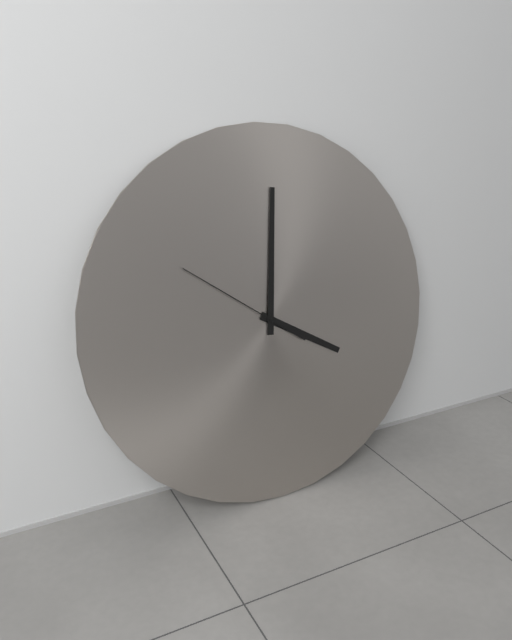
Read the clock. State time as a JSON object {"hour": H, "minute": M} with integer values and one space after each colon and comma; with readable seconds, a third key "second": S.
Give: {"hour": 4, "minute": 1, "second": 51}
